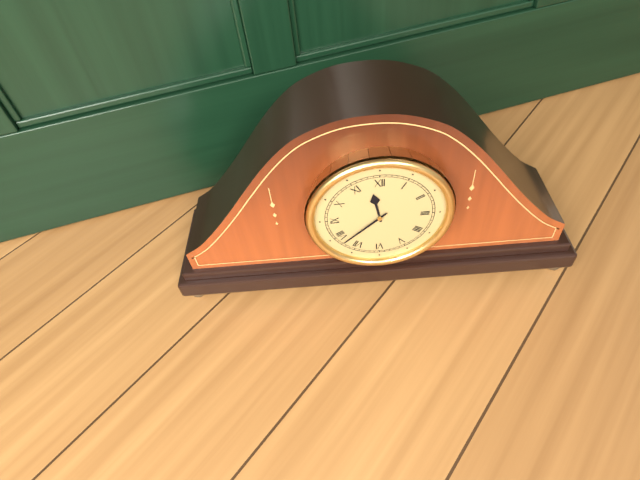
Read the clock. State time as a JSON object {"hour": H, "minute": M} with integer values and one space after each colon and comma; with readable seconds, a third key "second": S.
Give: {"hour": 11, "minute": 38}
